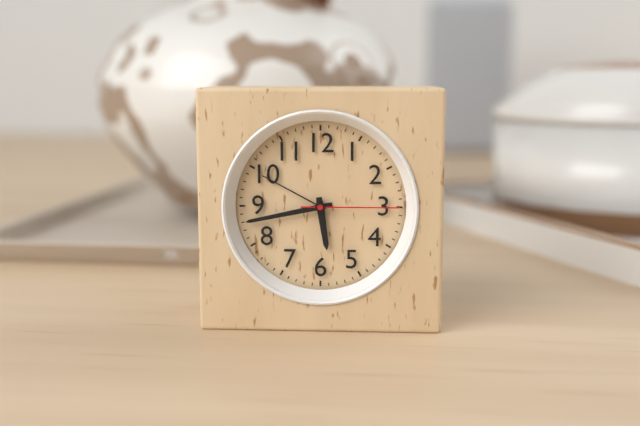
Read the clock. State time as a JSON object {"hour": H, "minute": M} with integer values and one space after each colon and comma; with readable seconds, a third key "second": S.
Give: {"hour": 5, "minute": 43, "second": 15}
